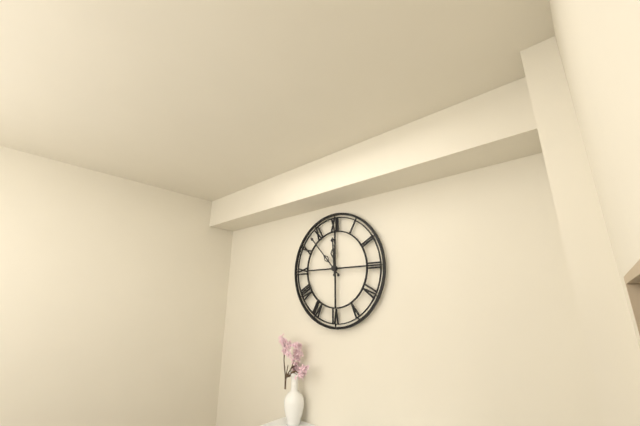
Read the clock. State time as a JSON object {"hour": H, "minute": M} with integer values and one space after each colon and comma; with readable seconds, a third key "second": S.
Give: {"hour": 11, "minute": 53}
